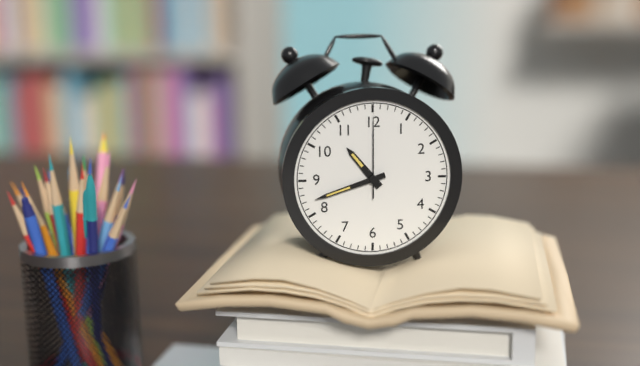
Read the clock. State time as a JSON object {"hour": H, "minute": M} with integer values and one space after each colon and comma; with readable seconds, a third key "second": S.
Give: {"hour": 10, "minute": 42, "second": 0}
